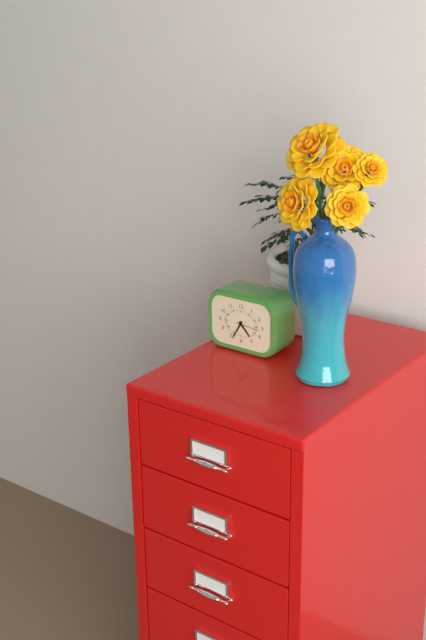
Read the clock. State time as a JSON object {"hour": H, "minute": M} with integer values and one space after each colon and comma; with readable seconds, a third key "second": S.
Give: {"hour": 4, "minute": 35}
